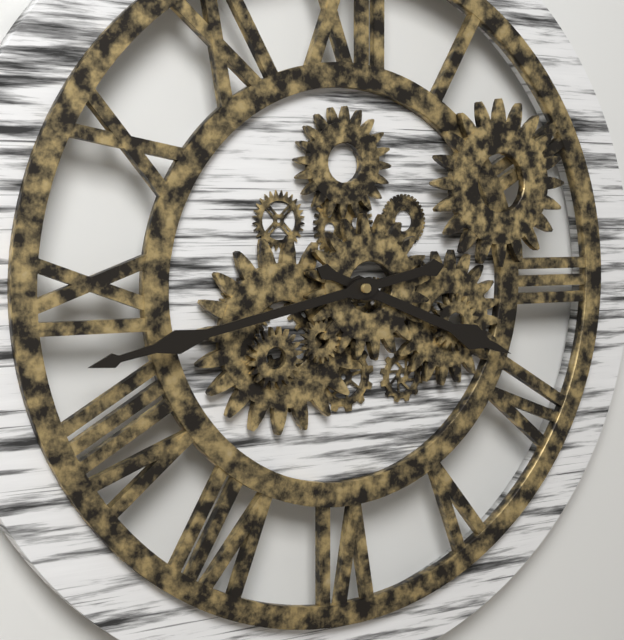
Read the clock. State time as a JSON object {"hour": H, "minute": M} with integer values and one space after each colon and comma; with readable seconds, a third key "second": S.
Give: {"hour": 3, "minute": 43}
